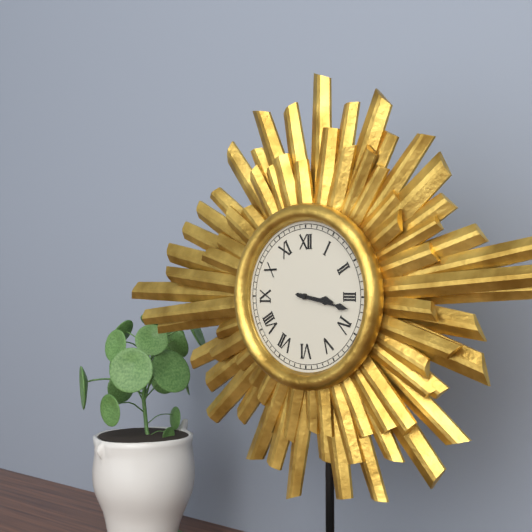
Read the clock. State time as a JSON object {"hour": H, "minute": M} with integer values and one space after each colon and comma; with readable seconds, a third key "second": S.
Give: {"hour": 3, "minute": 17}
